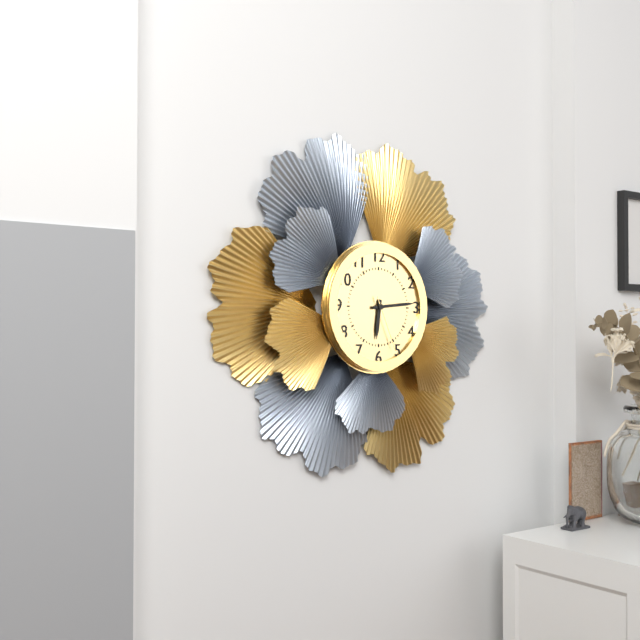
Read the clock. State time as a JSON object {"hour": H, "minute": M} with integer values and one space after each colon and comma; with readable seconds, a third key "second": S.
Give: {"hour": 6, "minute": 14, "second": 26}
